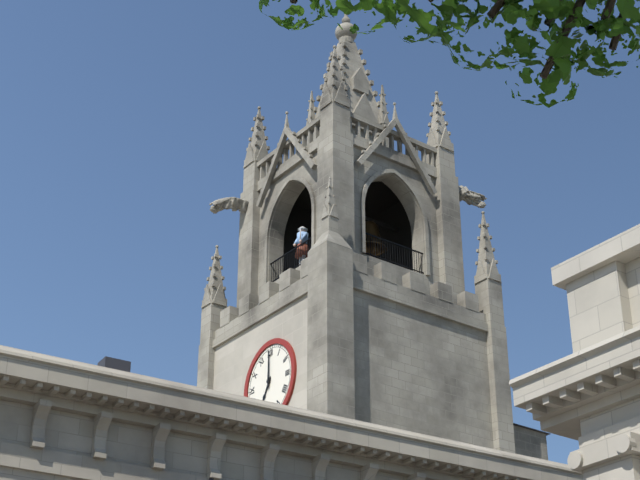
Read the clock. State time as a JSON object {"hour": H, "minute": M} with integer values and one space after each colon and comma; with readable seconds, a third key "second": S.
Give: {"hour": 7, "minute": 0}
